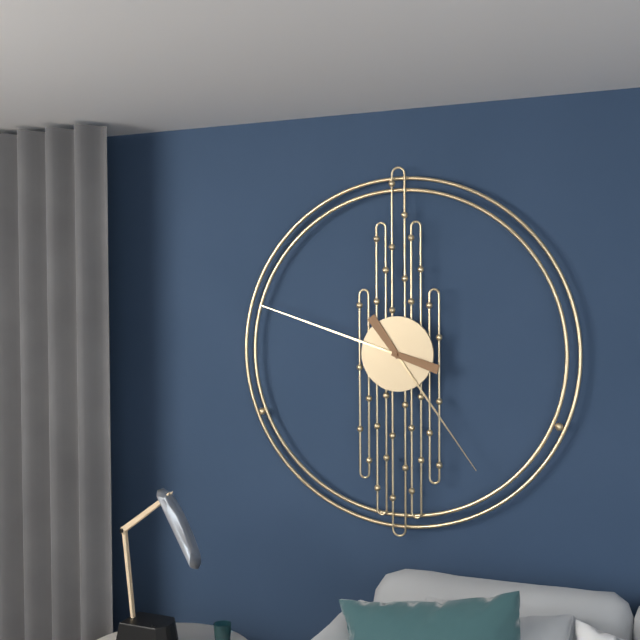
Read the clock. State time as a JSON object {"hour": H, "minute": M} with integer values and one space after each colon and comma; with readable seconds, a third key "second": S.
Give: {"hour": 4, "minute": 48}
